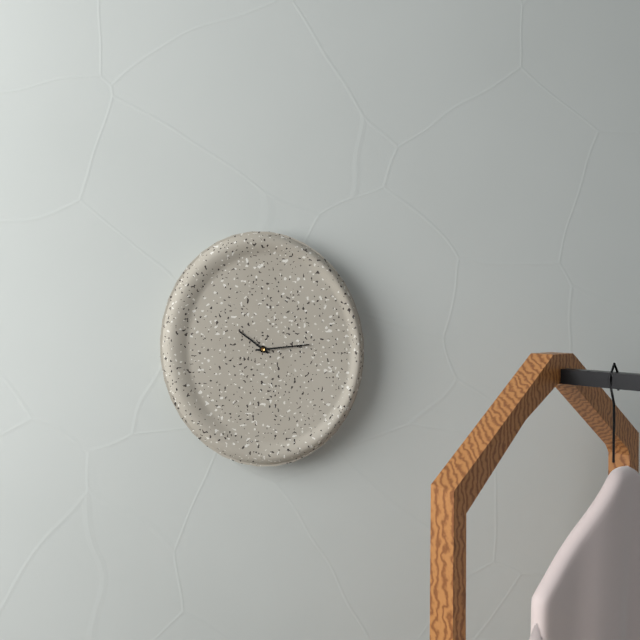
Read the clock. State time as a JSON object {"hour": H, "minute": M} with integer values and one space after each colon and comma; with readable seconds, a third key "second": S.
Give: {"hour": 10, "minute": 14}
